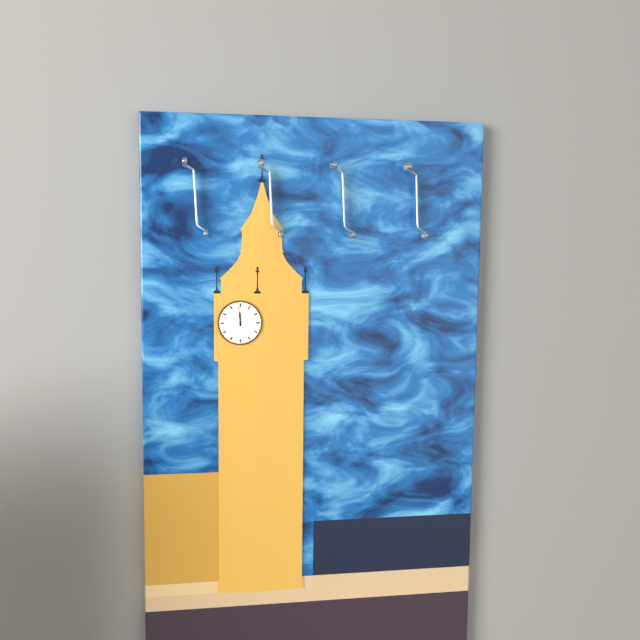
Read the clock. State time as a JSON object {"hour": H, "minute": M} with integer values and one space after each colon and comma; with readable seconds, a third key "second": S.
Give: {"hour": 11, "minute": 59}
